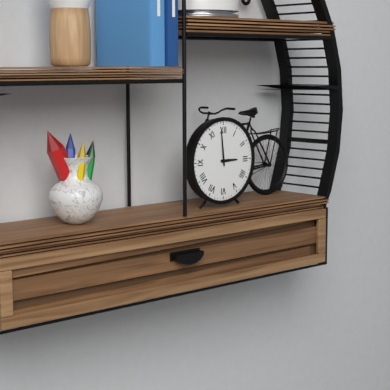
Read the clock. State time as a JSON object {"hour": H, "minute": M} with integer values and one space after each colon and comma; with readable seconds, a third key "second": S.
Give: {"hour": 2, "minute": 59}
